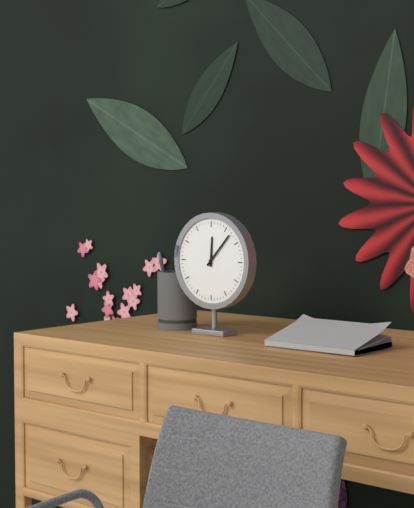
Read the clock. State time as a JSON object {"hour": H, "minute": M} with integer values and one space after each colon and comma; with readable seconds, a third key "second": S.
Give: {"hour": 12, "minute": 7}
